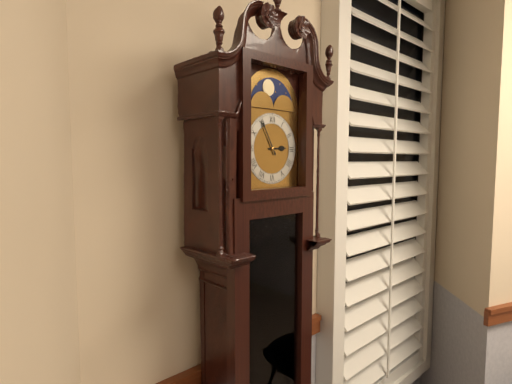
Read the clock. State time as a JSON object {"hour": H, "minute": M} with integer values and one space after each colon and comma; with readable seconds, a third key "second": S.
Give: {"hour": 2, "minute": 55}
